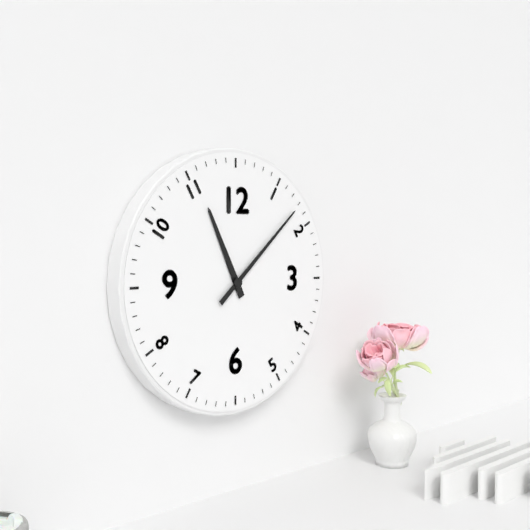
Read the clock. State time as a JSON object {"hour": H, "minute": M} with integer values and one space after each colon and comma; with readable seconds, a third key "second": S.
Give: {"hour": 11, "minute": 8}
